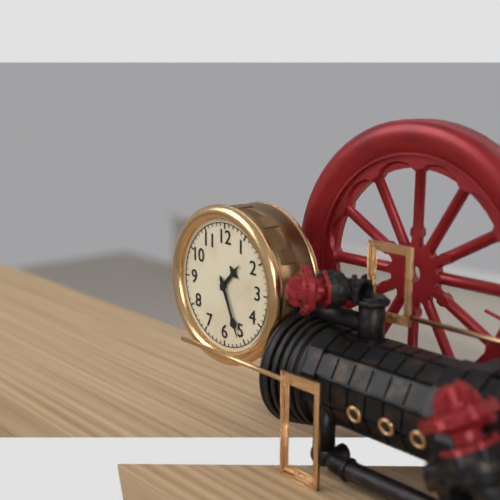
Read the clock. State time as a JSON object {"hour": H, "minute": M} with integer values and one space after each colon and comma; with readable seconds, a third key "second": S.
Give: {"hour": 1, "minute": 26}
